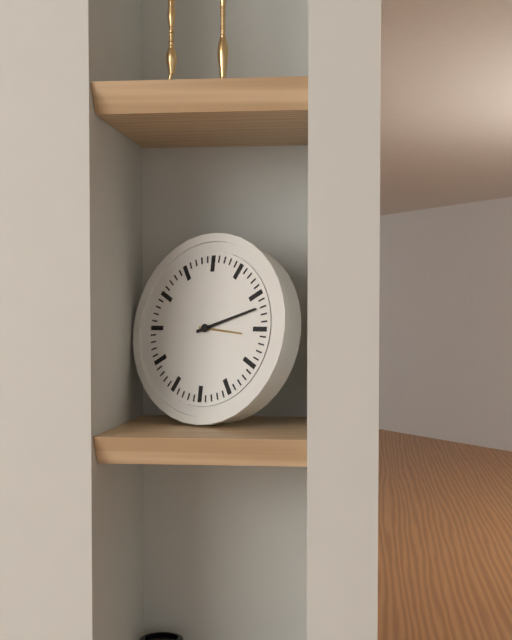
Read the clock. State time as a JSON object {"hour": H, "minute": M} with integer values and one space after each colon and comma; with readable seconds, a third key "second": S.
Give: {"hour": 3, "minute": 12}
